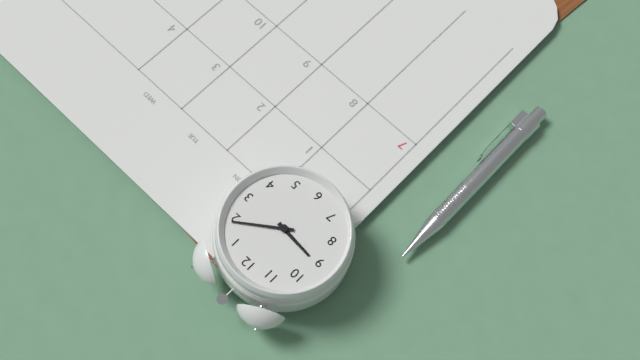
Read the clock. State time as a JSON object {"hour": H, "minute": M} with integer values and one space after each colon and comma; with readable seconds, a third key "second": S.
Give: {"hour": 9, "minute": 9}
